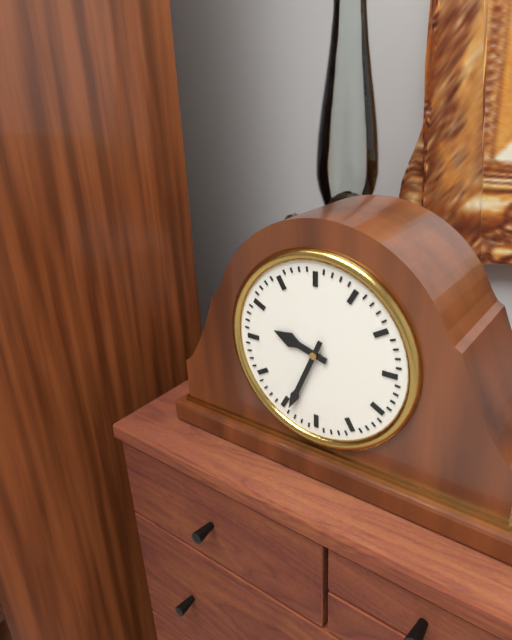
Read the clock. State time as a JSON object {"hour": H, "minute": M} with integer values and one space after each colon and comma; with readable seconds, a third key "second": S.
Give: {"hour": 9, "minute": 34}
